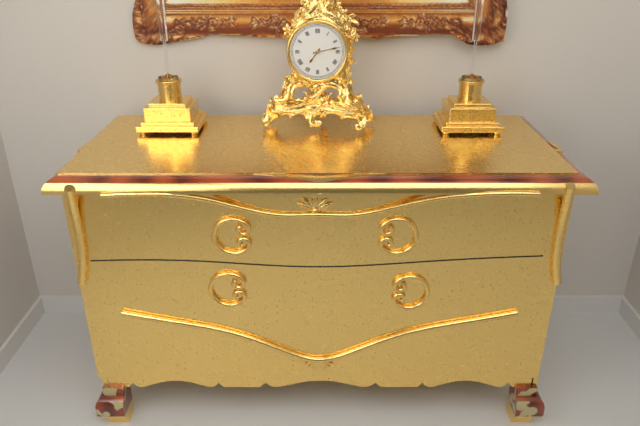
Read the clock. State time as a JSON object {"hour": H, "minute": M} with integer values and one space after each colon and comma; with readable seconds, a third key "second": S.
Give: {"hour": 7, "minute": 13}
